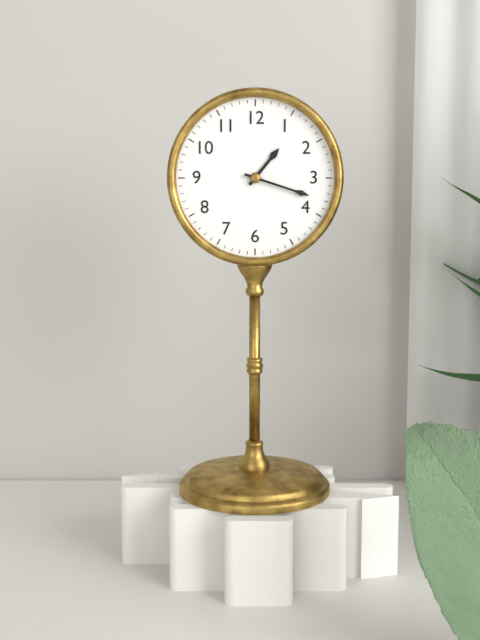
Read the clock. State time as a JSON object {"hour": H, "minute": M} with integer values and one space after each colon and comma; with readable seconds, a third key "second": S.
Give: {"hour": 1, "minute": 18}
